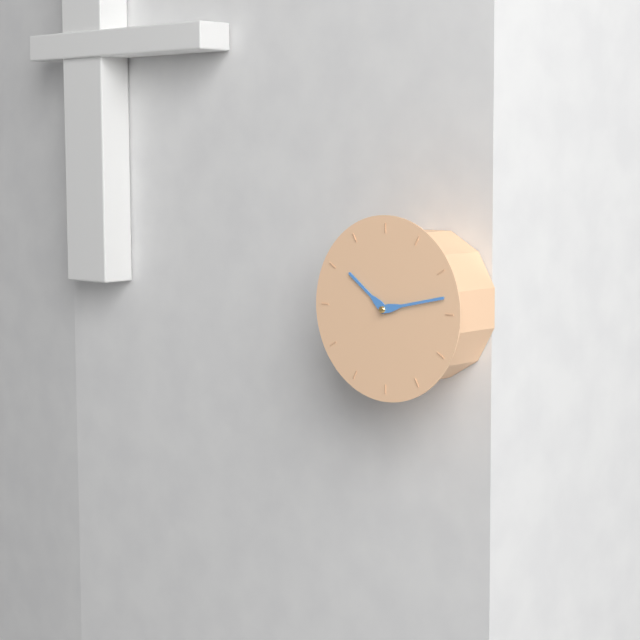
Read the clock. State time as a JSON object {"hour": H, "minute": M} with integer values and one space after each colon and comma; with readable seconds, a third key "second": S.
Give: {"hour": 10, "minute": 13}
